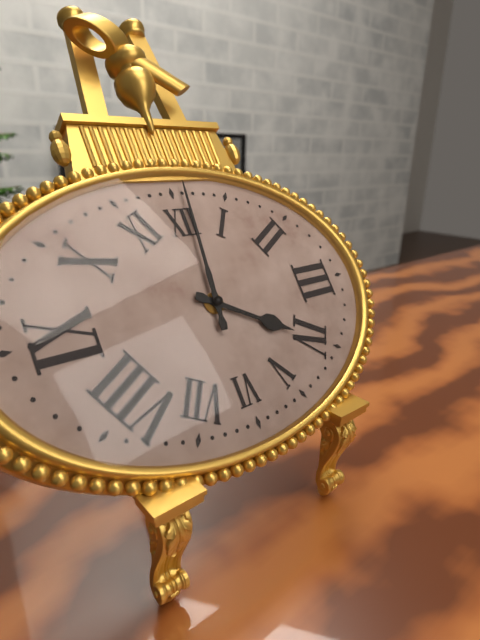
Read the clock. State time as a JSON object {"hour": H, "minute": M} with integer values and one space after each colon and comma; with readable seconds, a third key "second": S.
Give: {"hour": 4, "minute": 1}
